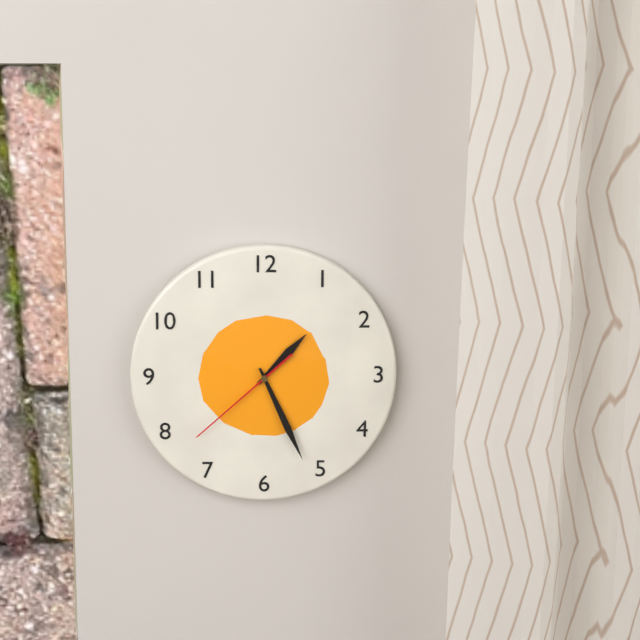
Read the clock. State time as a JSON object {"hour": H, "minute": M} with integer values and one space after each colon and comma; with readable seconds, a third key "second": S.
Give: {"hour": 1, "minute": 26, "second": 38}
